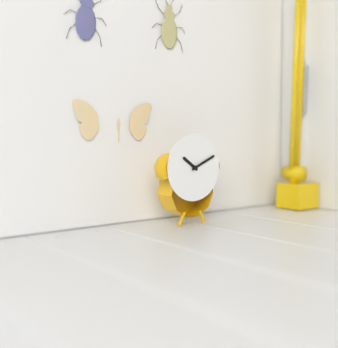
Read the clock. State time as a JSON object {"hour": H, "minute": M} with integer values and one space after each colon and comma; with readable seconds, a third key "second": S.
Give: {"hour": 10, "minute": 11}
